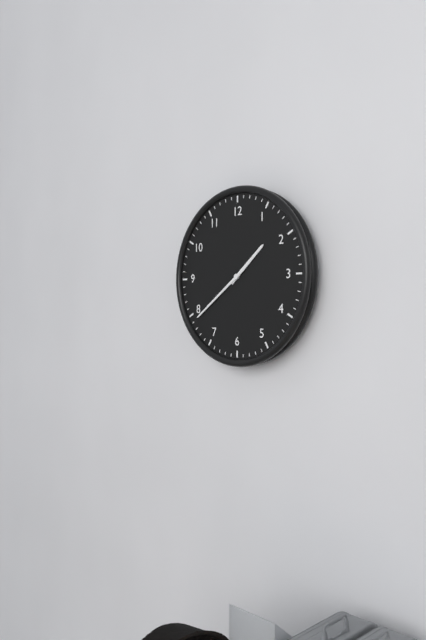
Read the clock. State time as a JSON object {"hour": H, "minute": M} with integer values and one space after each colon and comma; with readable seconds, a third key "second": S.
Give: {"hour": 1, "minute": 39}
